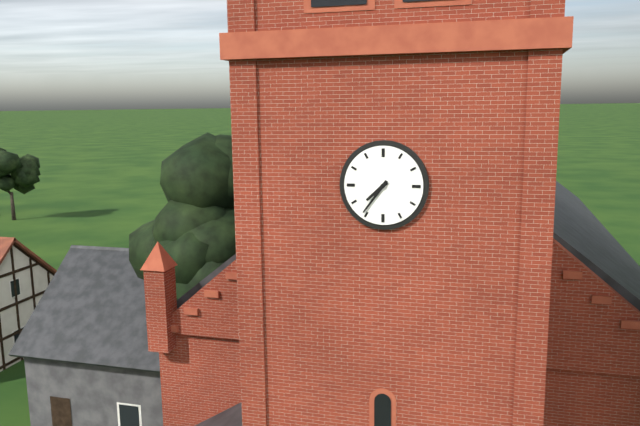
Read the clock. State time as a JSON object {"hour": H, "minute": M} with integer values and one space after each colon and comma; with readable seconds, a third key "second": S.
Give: {"hour": 7, "minute": 36}
